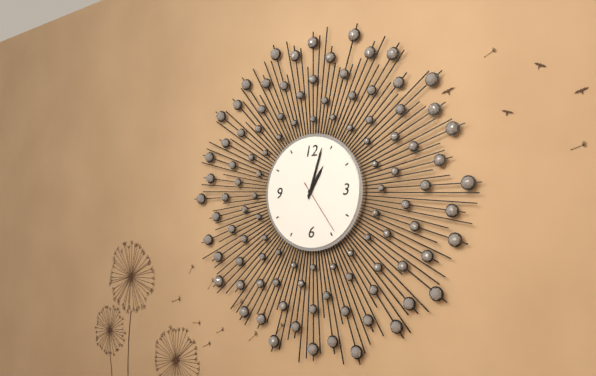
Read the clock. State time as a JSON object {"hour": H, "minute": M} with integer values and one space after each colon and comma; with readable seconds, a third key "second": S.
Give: {"hour": 1, "minute": 3, "second": 24}
